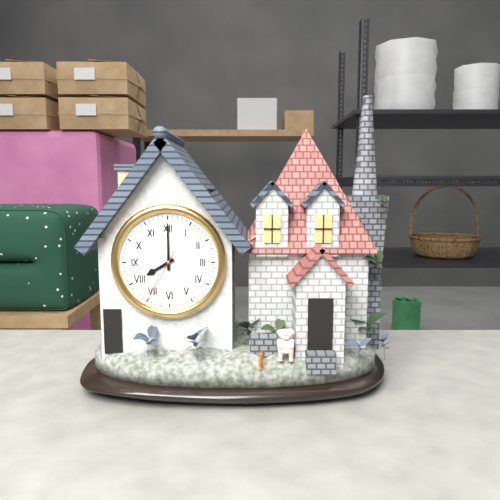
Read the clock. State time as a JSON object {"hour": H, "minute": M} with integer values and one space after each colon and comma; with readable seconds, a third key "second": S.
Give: {"hour": 8, "minute": 0, "second": 35}
